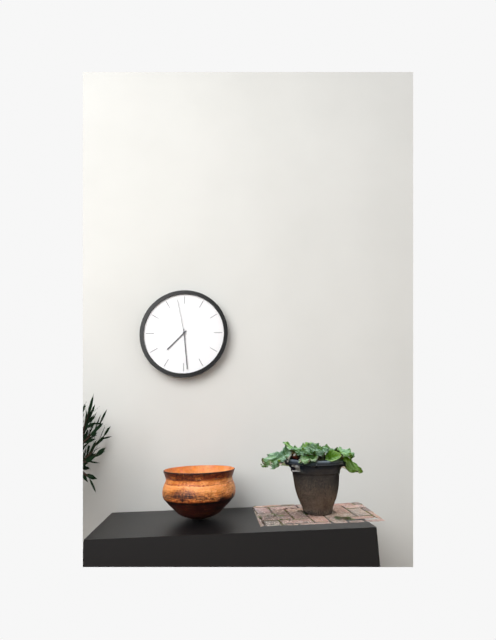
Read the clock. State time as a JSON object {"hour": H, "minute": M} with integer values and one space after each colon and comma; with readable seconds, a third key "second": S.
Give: {"hour": 7, "minute": 29}
